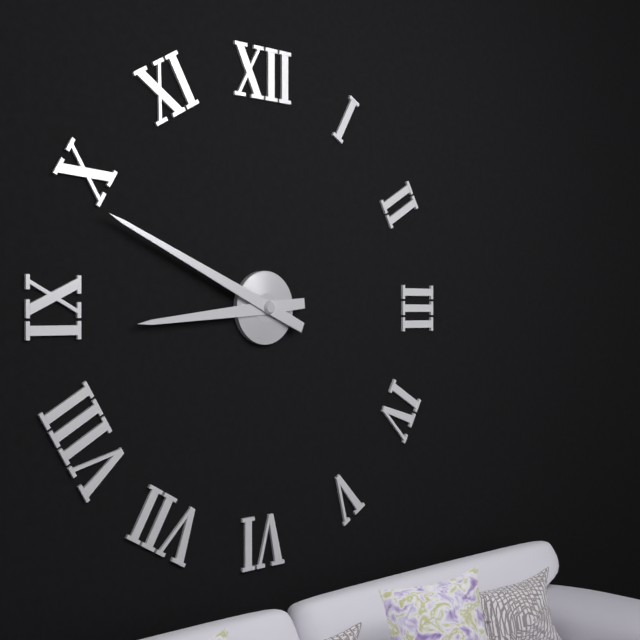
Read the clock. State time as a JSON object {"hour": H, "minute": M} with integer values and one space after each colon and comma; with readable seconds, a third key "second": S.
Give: {"hour": 8, "minute": 49}
